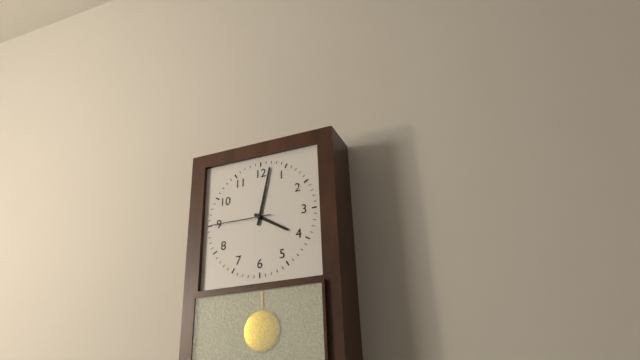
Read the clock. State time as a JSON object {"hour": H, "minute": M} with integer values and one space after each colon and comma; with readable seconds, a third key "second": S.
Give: {"hour": 4, "minute": 2, "second": 45}
